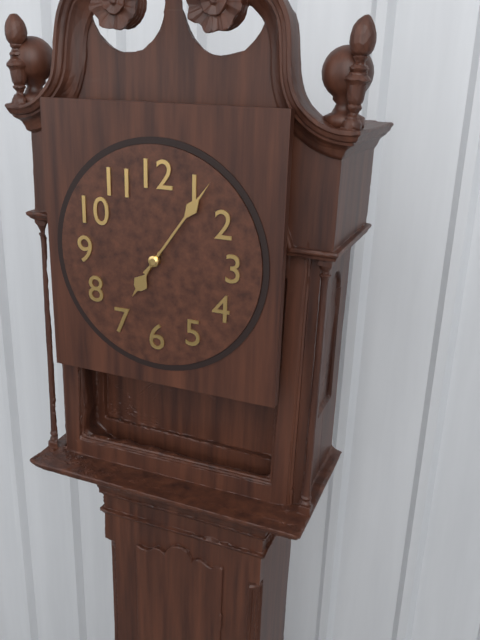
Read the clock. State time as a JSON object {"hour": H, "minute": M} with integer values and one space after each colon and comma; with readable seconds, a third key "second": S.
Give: {"hour": 7, "minute": 6}
